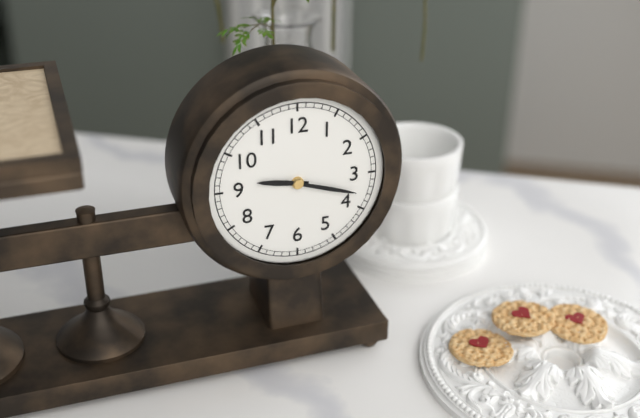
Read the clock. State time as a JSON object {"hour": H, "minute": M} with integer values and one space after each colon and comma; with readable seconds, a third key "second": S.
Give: {"hour": 9, "minute": 18}
